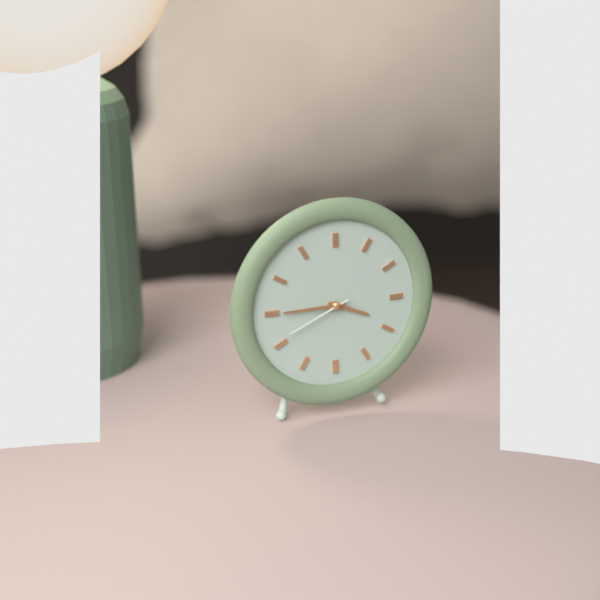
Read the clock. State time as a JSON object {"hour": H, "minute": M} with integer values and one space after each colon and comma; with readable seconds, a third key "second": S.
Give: {"hour": 3, "minute": 45, "second": 41}
